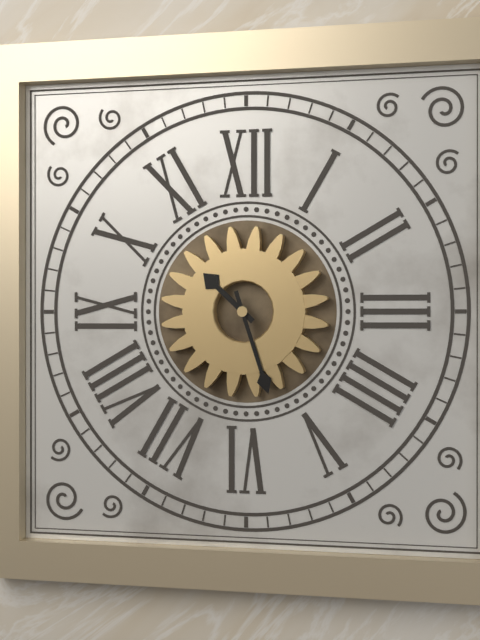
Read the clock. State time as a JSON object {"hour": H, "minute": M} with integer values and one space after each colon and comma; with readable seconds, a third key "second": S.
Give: {"hour": 10, "minute": 27}
